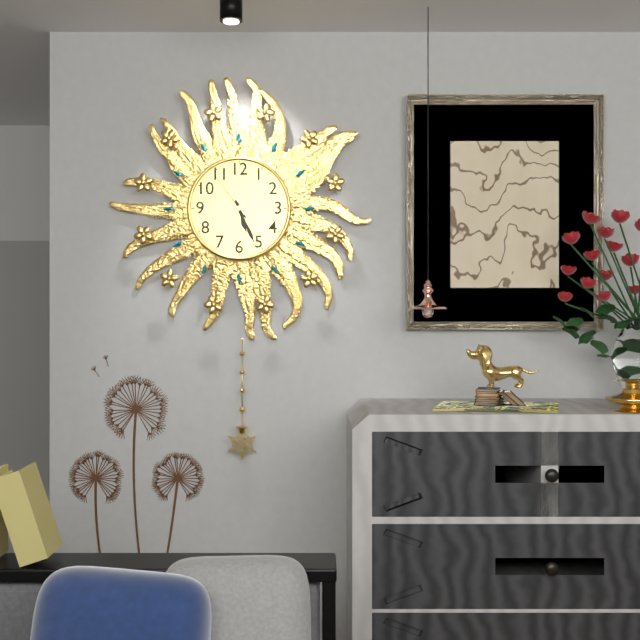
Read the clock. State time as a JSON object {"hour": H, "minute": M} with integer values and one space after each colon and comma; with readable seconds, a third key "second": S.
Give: {"hour": 5, "minute": 26, "second": 54}
